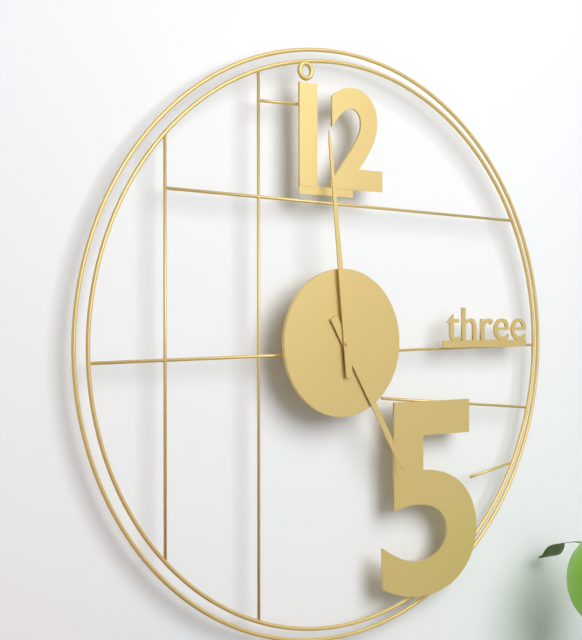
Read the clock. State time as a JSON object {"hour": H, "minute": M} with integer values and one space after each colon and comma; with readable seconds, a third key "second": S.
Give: {"hour": 4, "minute": 59}
